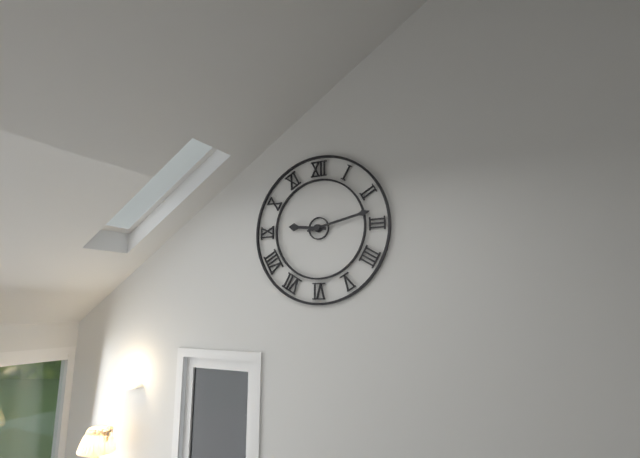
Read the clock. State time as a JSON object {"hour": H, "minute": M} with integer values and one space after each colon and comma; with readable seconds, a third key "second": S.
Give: {"hour": 9, "minute": 13}
